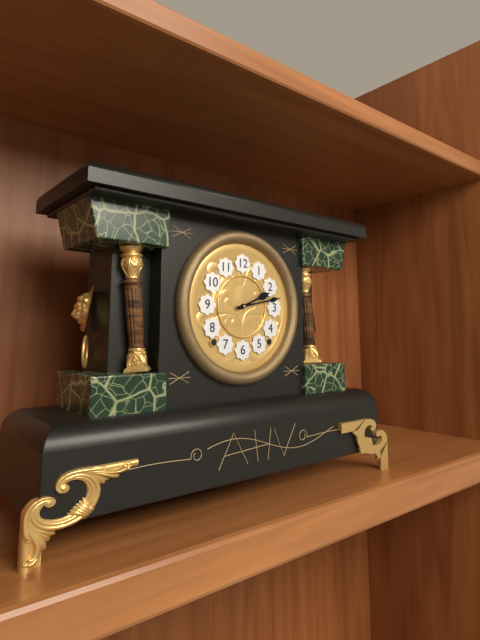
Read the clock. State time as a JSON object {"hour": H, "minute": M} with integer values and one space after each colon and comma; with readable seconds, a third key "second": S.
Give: {"hour": 2, "minute": 13}
